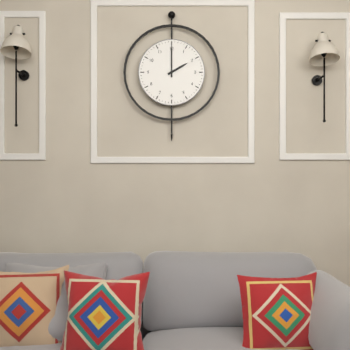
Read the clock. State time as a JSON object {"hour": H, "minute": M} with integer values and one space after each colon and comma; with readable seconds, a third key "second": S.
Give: {"hour": 2, "minute": 0}
